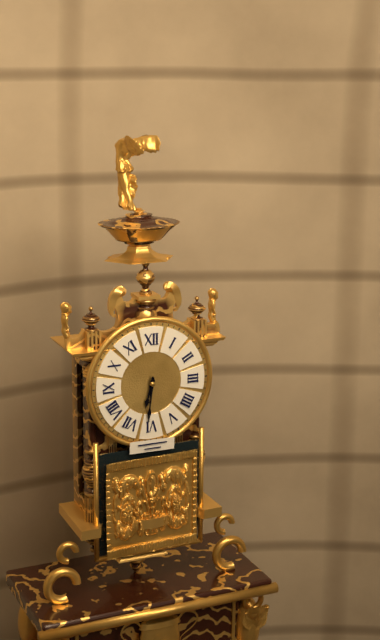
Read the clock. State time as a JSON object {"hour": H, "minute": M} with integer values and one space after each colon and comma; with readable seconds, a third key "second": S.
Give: {"hour": 6, "minute": 31}
